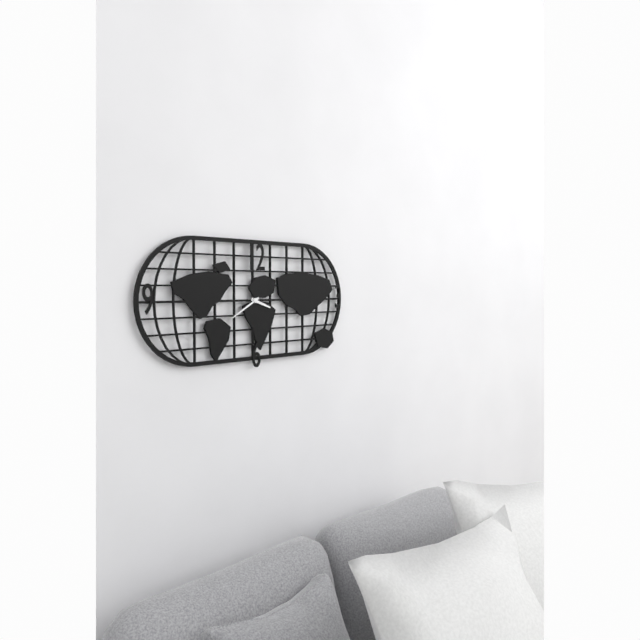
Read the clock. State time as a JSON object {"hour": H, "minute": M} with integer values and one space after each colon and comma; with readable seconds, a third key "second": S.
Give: {"hour": 3, "minute": 40}
